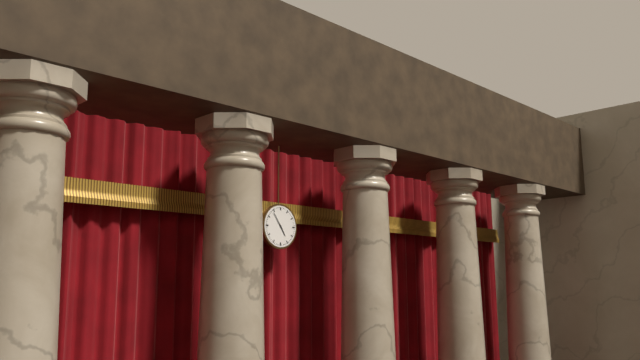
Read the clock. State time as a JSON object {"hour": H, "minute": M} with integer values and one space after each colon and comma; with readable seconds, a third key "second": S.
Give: {"hour": 4, "minute": 54}
